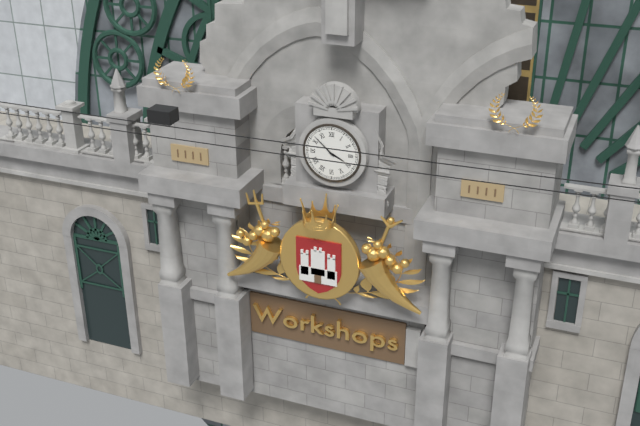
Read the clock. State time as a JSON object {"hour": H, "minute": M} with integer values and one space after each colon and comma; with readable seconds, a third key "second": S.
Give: {"hour": 3, "minute": 52}
